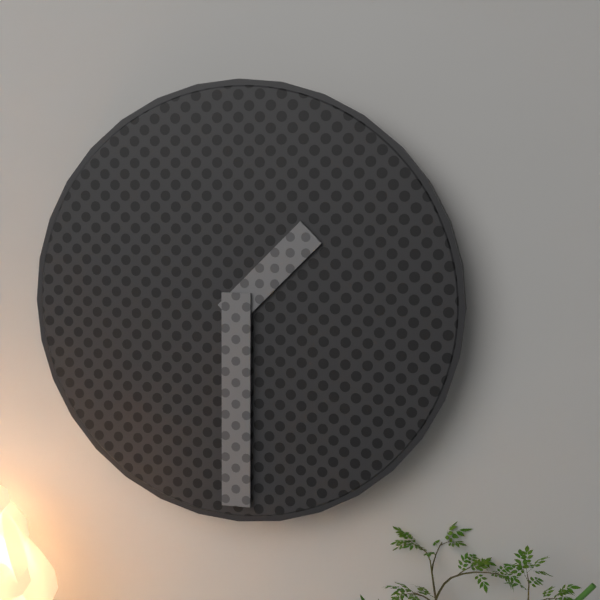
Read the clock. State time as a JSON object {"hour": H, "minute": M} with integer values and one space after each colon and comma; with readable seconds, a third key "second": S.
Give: {"hour": 1, "minute": 30}
